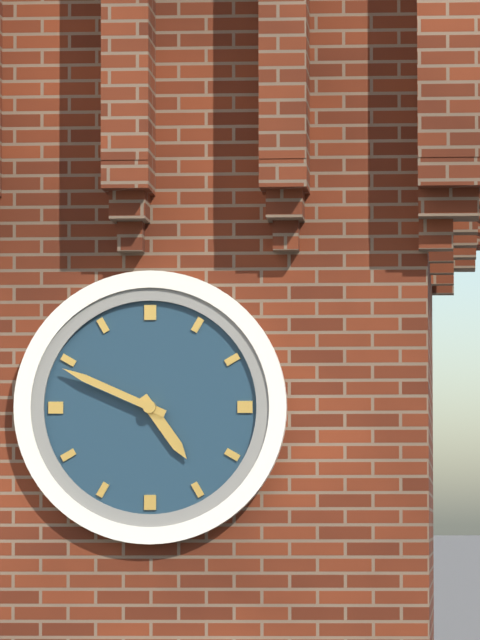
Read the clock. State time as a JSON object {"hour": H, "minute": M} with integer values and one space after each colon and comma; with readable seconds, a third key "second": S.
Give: {"hour": 4, "minute": 49}
